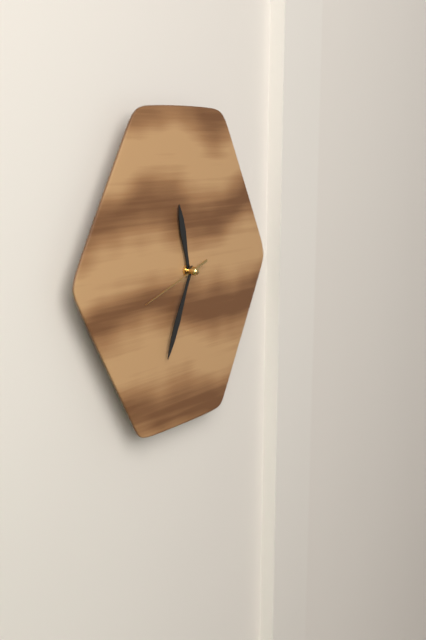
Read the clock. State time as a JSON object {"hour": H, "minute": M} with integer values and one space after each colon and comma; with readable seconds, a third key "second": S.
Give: {"hour": 11, "minute": 34, "second": 42}
